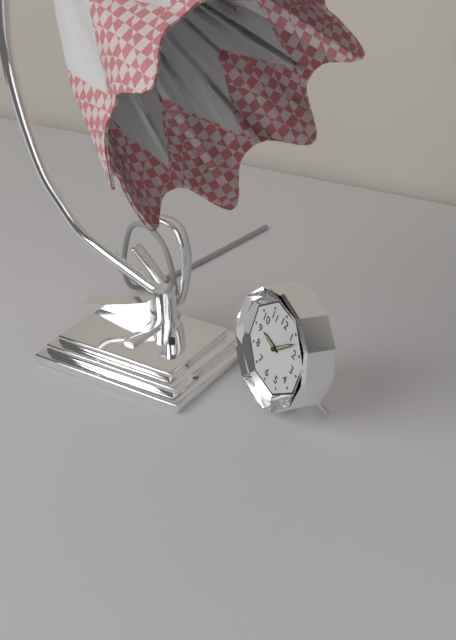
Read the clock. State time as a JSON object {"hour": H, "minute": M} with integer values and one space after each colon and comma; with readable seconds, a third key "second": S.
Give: {"hour": 9, "minute": 7}
